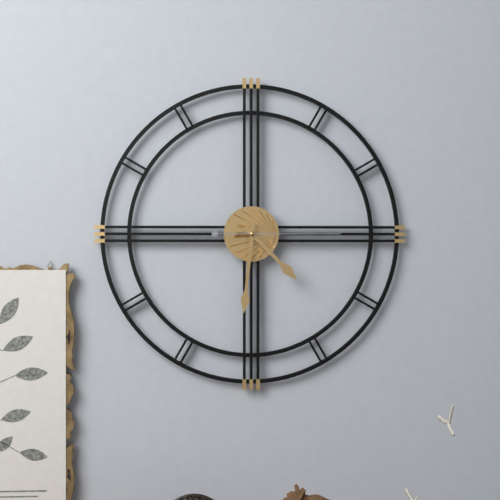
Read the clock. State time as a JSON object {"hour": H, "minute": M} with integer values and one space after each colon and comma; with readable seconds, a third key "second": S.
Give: {"hour": 4, "minute": 31, "second": 15}
